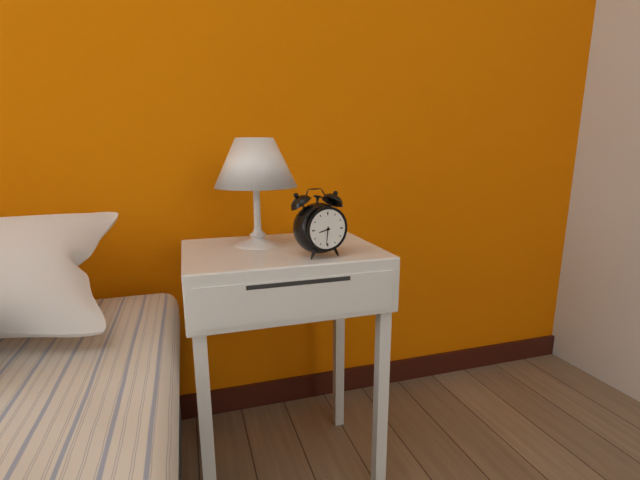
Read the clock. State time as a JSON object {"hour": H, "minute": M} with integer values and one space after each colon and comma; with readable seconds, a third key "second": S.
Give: {"hour": 8, "minute": 31}
